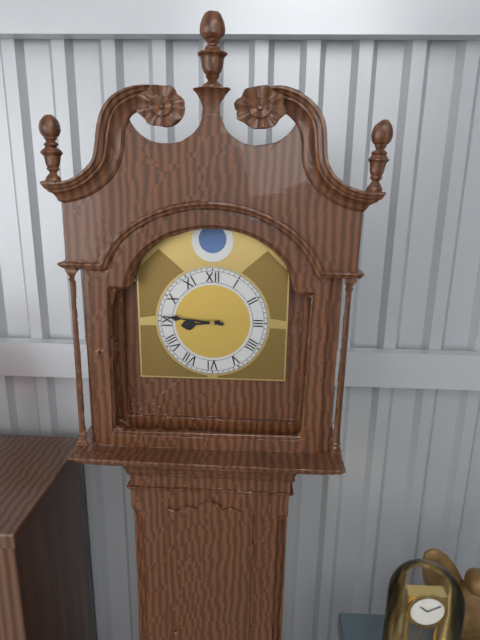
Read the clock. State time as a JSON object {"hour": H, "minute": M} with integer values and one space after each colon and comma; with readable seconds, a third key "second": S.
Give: {"hour": 8, "minute": 46}
